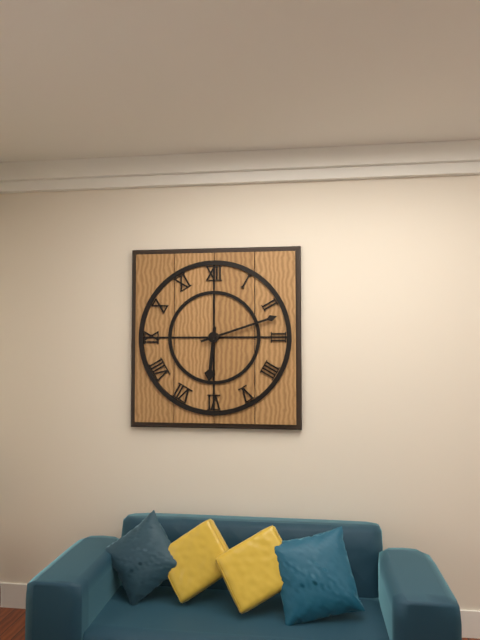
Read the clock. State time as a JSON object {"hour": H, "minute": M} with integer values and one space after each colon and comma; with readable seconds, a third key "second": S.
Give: {"hour": 6, "minute": 12}
